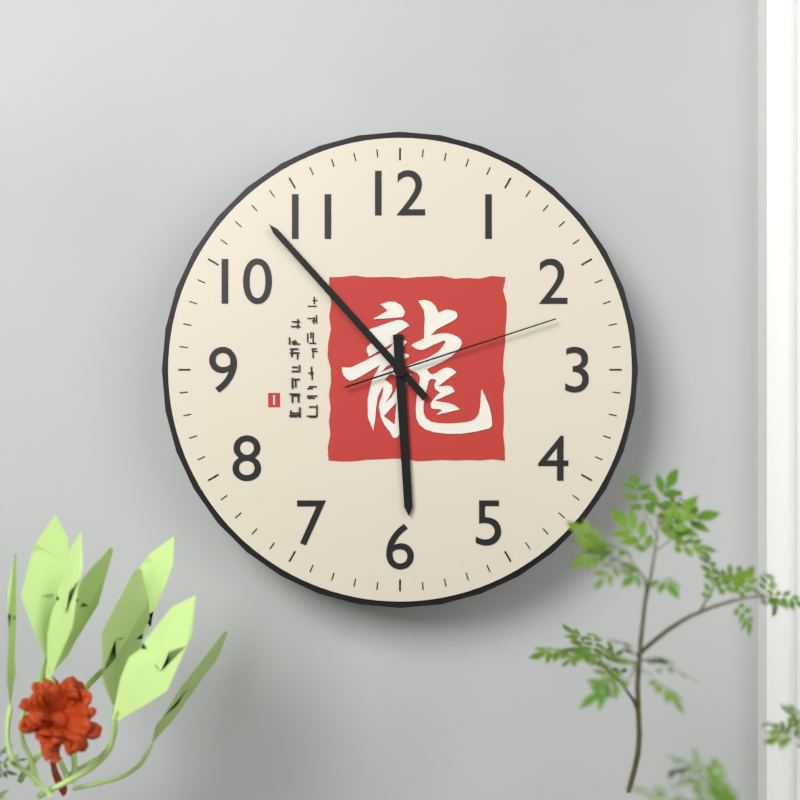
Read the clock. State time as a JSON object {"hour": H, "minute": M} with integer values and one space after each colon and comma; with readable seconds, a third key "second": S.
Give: {"hour": 5, "minute": 53, "second": 12}
